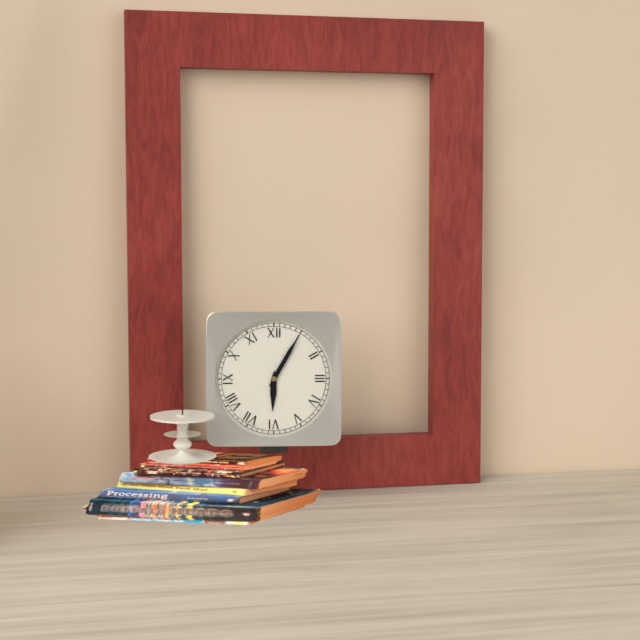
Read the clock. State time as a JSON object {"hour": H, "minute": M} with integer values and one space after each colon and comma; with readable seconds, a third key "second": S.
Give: {"hour": 6, "minute": 5}
